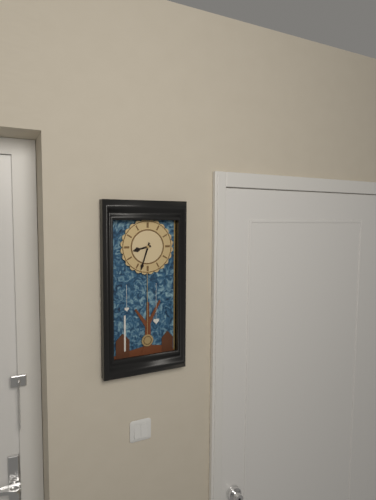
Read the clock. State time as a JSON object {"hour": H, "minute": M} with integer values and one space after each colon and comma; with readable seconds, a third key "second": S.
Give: {"hour": 8, "minute": 33}
